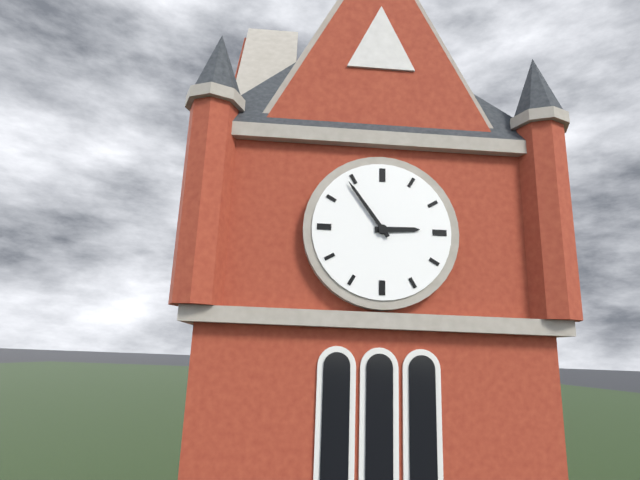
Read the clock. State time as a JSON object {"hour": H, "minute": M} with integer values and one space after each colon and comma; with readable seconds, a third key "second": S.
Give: {"hour": 2, "minute": 54}
